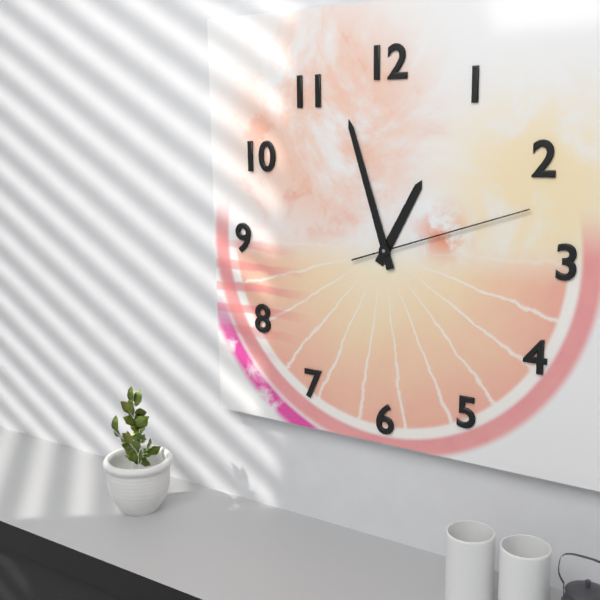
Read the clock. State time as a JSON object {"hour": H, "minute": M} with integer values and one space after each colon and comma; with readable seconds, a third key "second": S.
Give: {"hour": 12, "minute": 57, "second": 12}
